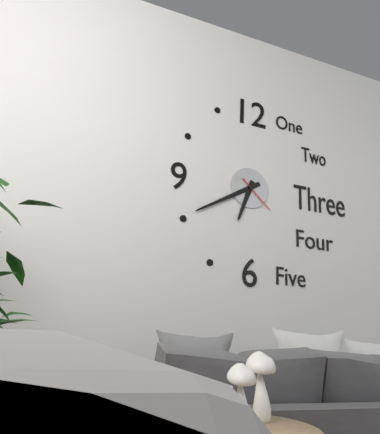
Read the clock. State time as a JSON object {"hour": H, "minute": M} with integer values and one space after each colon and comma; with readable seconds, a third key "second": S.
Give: {"hour": 6, "minute": 40}
